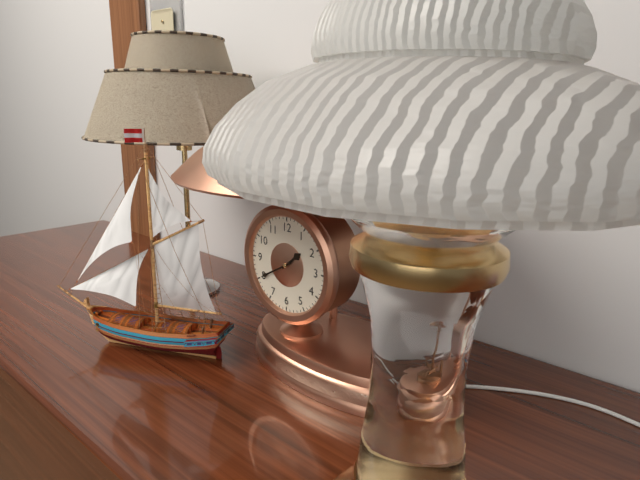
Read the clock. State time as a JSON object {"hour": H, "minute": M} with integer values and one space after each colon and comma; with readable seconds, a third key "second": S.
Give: {"hour": 1, "minute": 40}
